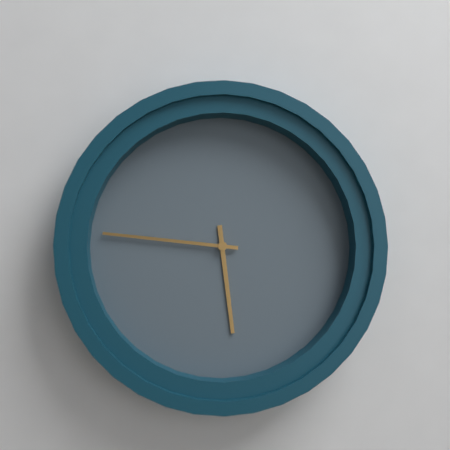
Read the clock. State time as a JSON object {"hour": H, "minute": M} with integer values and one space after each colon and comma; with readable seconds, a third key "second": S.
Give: {"hour": 5, "minute": 46}
